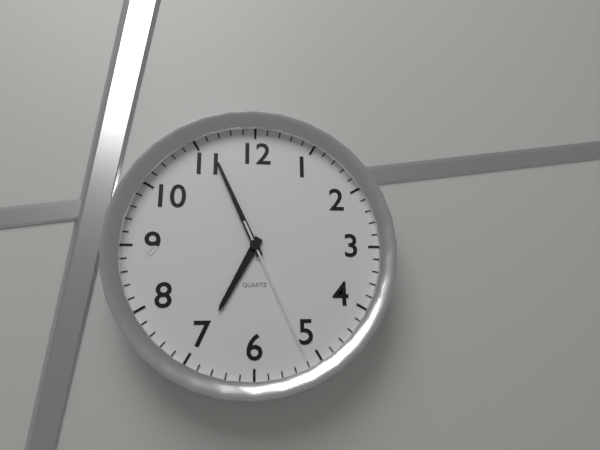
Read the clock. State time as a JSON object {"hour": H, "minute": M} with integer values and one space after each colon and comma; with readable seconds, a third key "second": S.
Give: {"hour": 6, "minute": 56, "second": 26}
